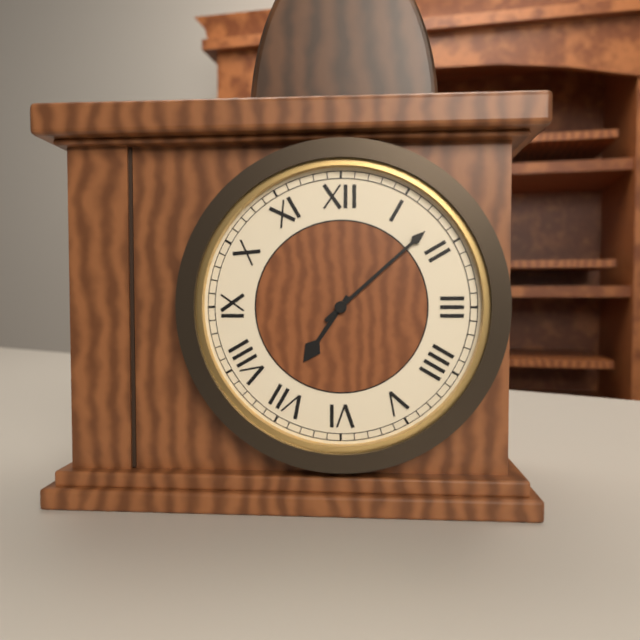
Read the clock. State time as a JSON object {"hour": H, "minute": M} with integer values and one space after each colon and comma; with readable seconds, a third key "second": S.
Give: {"hour": 7, "minute": 8}
